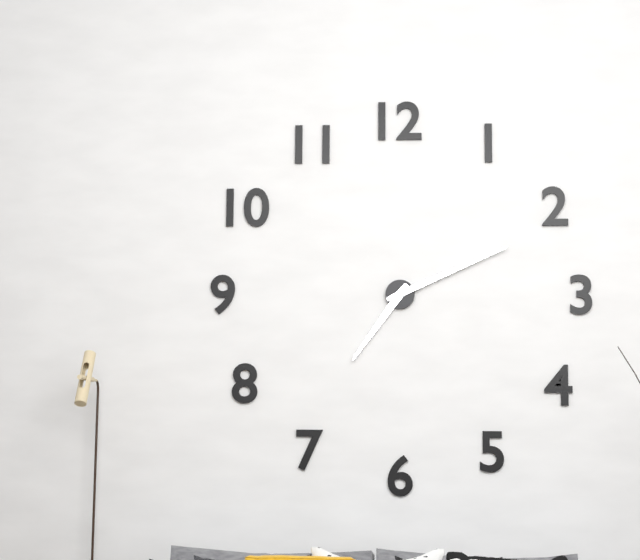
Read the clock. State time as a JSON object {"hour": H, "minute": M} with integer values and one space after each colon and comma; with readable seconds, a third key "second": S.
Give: {"hour": 7, "minute": 11}
